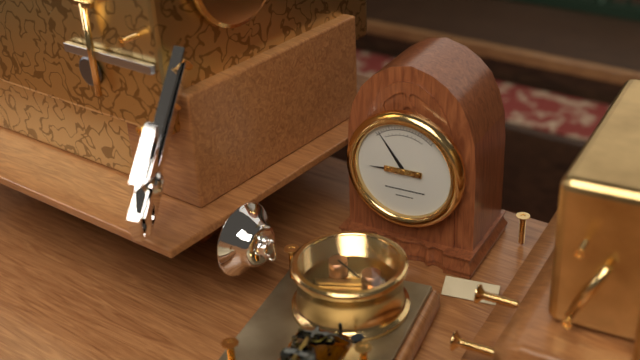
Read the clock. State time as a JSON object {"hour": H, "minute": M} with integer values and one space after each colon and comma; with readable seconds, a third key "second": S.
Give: {"hour": 8, "minute": 54}
